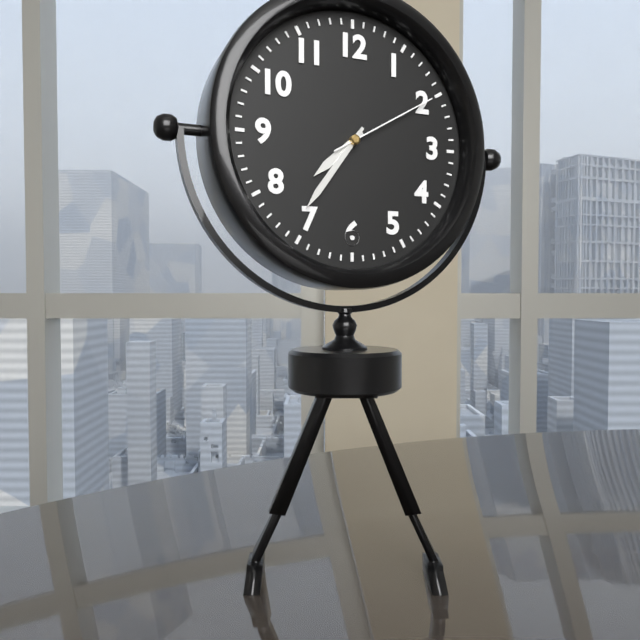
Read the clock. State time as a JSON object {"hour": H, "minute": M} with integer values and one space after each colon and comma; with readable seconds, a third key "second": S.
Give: {"hour": 7, "minute": 36, "second": 10}
